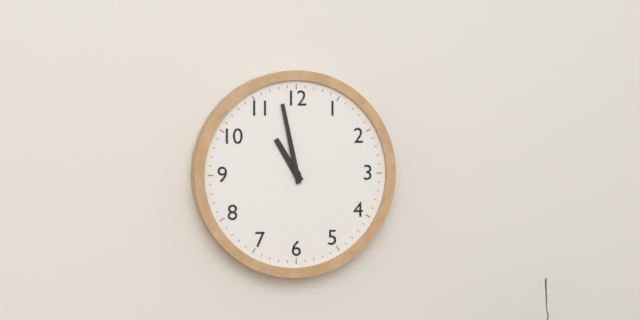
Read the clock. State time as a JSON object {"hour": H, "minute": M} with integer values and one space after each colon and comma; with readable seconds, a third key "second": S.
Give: {"hour": 10, "minute": 58}
